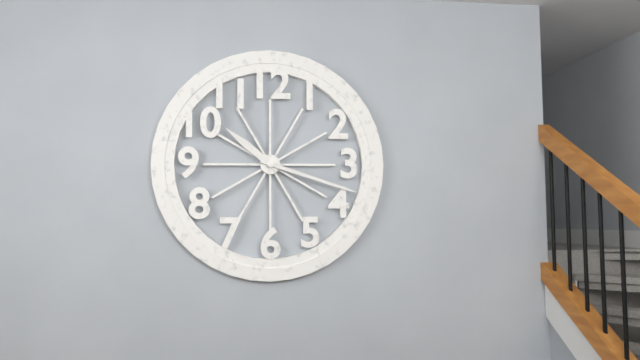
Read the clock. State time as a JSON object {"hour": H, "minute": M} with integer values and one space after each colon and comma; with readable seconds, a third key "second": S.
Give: {"hour": 10, "minute": 18}
